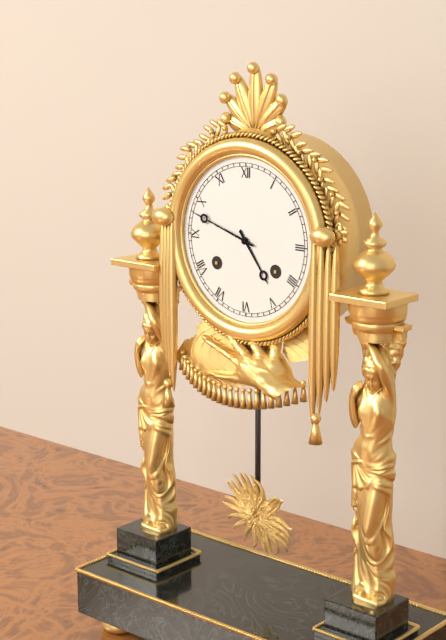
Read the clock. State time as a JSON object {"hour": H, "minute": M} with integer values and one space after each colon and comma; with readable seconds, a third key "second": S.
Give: {"hour": 4, "minute": 48}
